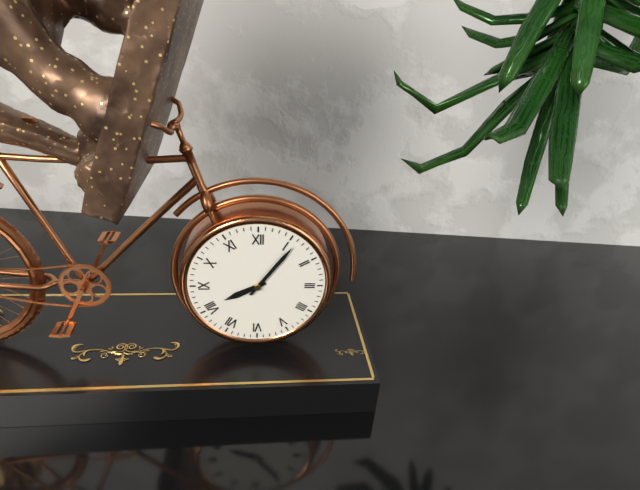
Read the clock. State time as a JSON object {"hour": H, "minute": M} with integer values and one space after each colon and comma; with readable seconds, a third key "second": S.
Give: {"hour": 8, "minute": 6}
